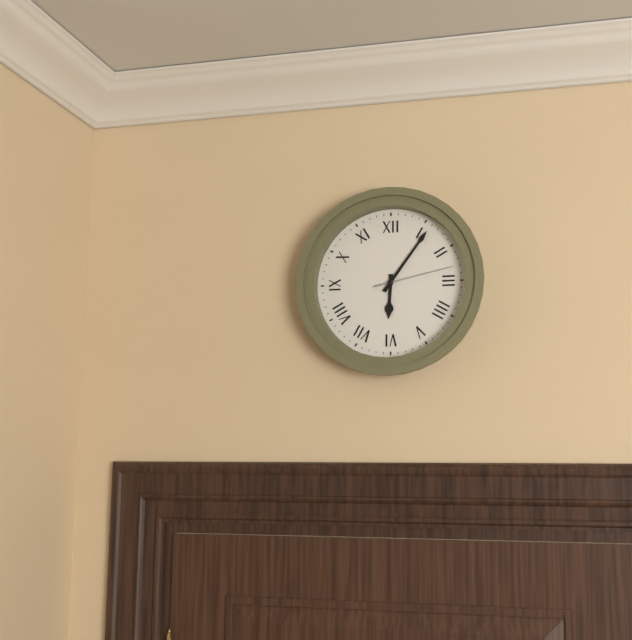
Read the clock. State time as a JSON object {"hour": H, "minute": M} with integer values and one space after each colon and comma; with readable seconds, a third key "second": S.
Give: {"hour": 6, "minute": 6, "second": 13}
